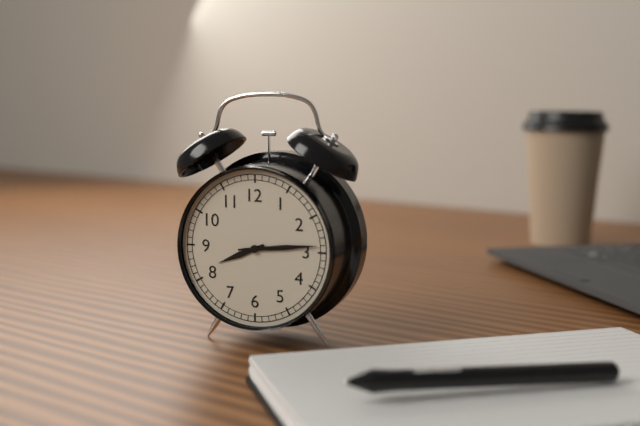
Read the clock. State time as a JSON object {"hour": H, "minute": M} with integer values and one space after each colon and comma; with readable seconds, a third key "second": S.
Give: {"hour": 8, "minute": 14, "second": 14}
